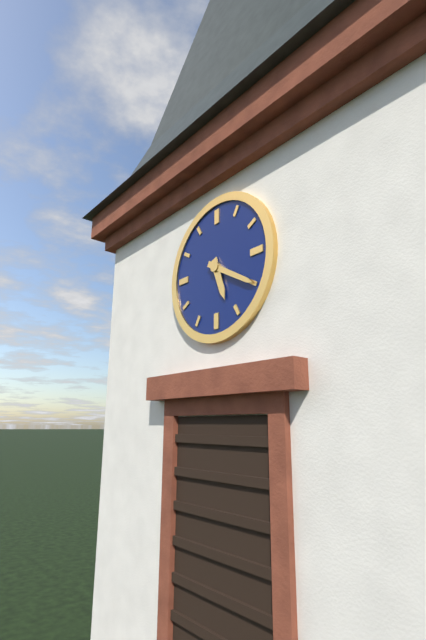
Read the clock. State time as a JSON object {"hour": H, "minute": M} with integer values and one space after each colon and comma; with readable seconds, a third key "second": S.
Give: {"hour": 5, "minute": 20}
